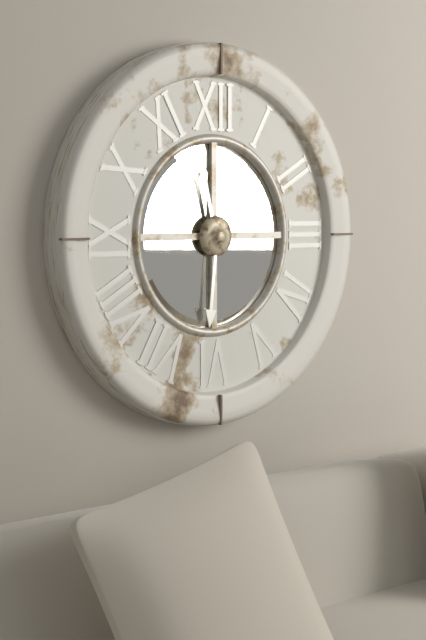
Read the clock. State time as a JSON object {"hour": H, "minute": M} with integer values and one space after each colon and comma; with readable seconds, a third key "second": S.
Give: {"hour": 11, "minute": 31}
